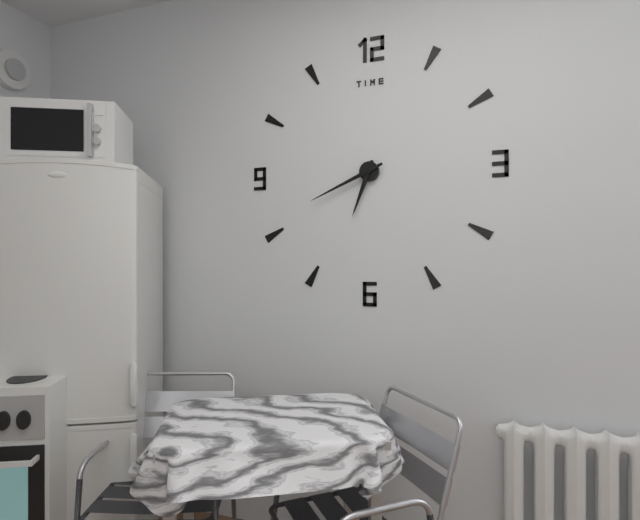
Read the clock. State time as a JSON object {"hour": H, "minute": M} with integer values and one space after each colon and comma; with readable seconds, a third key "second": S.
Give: {"hour": 6, "minute": 41}
